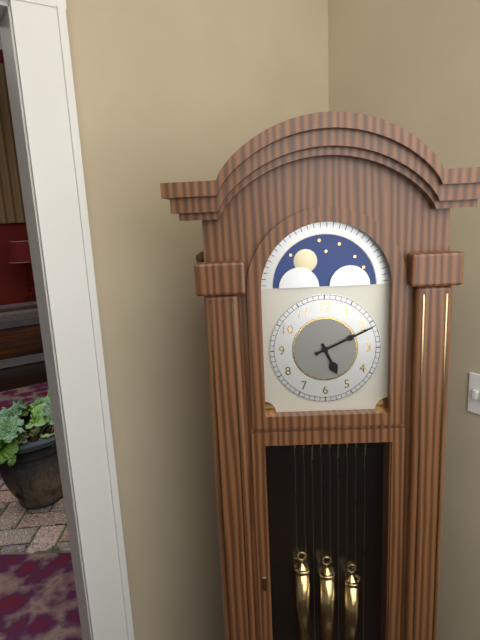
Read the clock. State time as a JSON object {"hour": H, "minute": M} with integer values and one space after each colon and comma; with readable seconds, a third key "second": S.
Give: {"hour": 5, "minute": 11}
